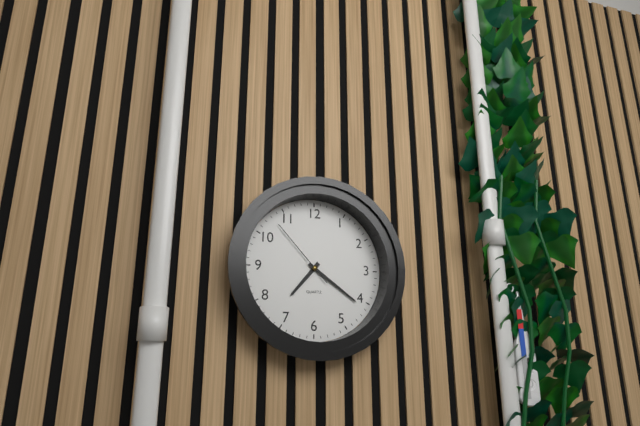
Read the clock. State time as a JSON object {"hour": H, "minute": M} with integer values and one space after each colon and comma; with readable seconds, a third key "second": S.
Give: {"hour": 7, "minute": 21, "second": 53}
